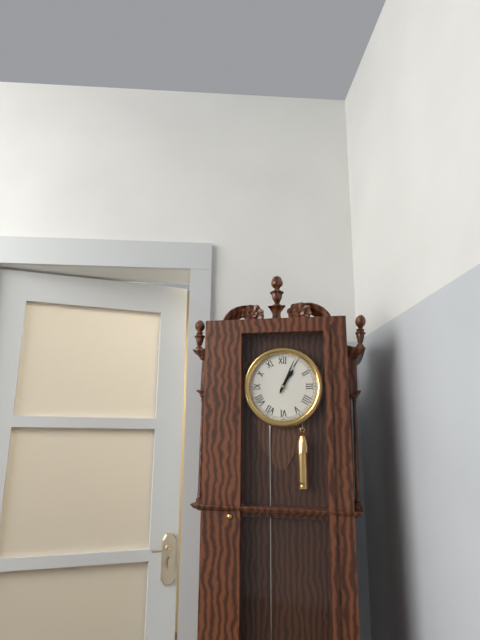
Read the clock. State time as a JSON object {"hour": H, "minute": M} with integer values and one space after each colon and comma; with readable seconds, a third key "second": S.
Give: {"hour": 1, "minute": 4}
